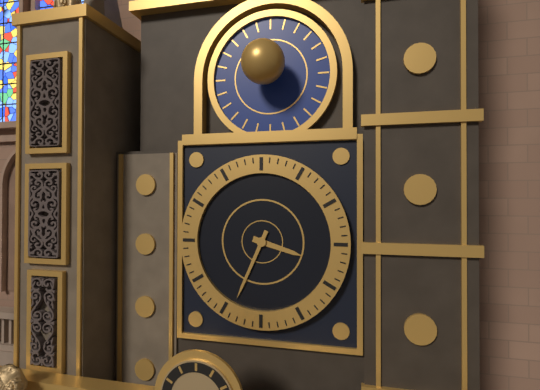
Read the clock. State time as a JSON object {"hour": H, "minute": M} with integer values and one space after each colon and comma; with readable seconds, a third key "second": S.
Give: {"hour": 3, "minute": 34}
